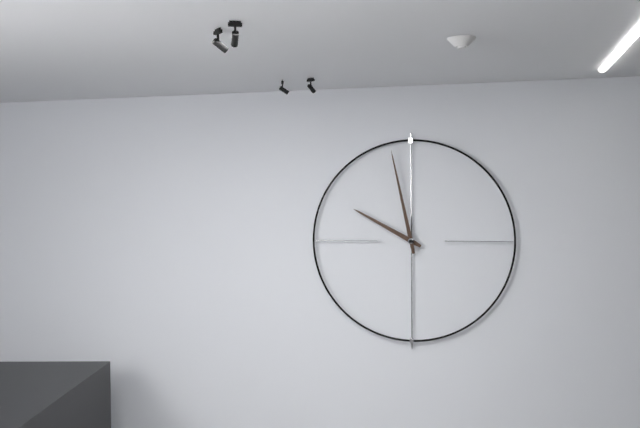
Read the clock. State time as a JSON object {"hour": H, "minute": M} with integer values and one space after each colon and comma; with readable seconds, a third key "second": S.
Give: {"hour": 9, "minute": 58}
